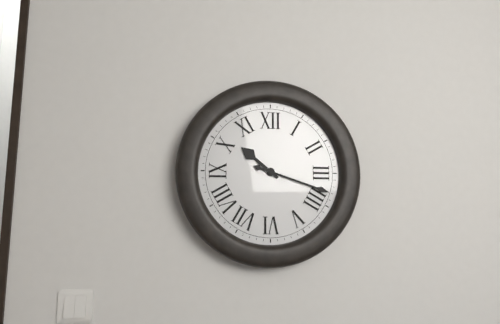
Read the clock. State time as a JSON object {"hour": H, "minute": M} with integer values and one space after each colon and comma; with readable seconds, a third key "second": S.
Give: {"hour": 10, "minute": 18}
